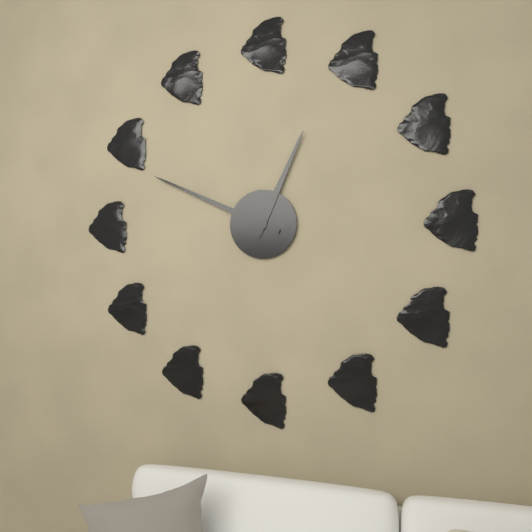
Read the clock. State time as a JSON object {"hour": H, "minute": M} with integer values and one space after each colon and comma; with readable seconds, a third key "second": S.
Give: {"hour": 12, "minute": 49}
